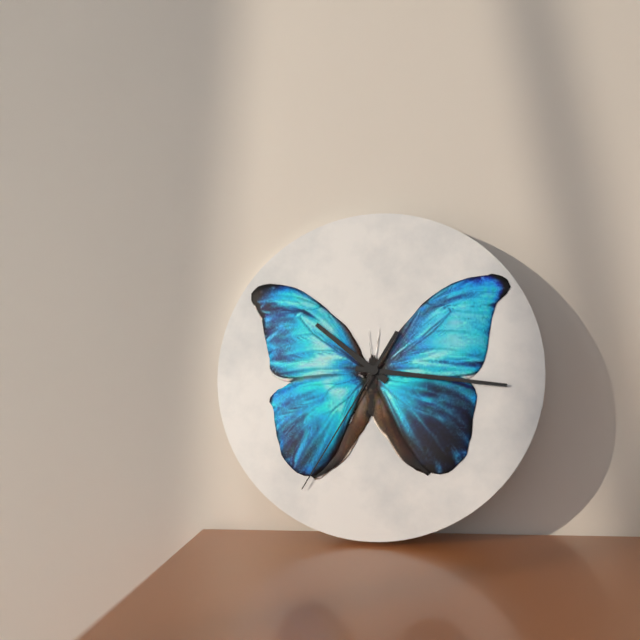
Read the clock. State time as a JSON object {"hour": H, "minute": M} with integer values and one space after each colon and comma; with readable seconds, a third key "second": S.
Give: {"hour": 10, "minute": 16, "second": 35}
